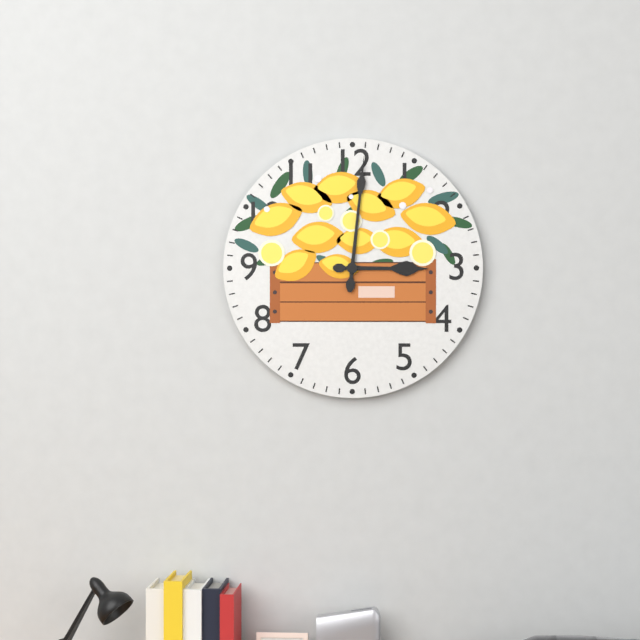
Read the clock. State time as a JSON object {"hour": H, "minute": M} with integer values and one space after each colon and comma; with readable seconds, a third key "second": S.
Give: {"hour": 3, "minute": 1}
